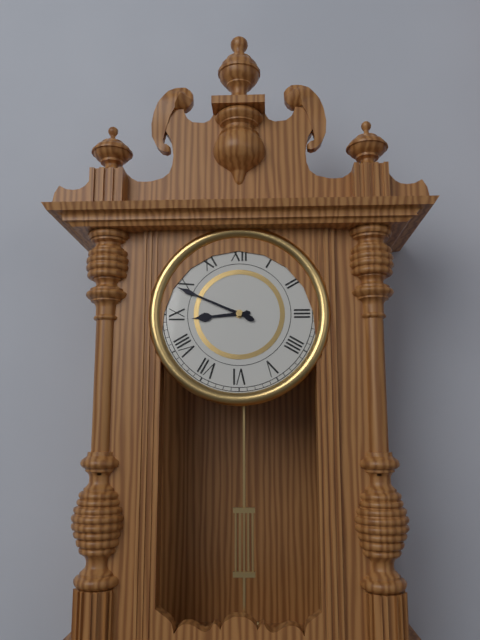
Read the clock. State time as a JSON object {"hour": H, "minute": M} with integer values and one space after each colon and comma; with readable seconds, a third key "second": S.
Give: {"hour": 8, "minute": 49}
